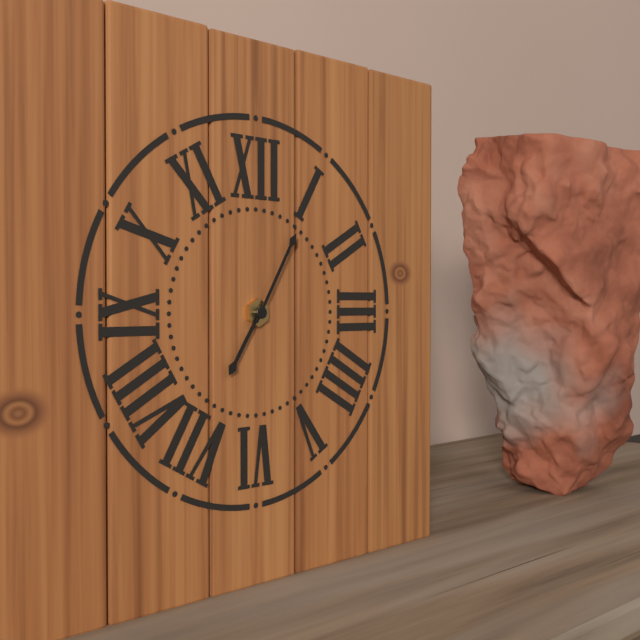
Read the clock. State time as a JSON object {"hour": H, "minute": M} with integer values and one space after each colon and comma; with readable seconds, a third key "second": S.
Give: {"hour": 7, "minute": 5}
